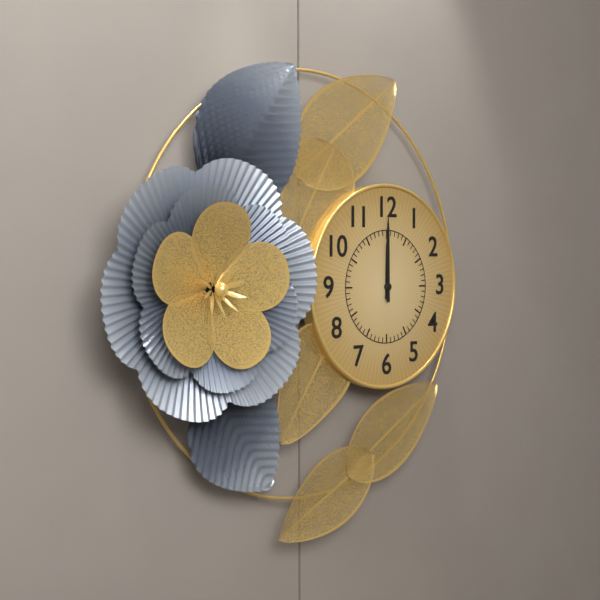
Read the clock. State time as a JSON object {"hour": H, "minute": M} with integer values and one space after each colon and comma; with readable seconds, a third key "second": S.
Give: {"hour": 12, "minute": 0}
